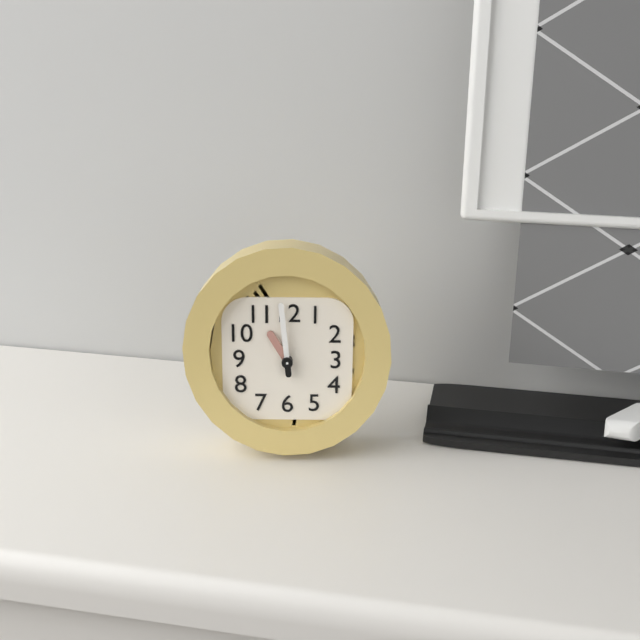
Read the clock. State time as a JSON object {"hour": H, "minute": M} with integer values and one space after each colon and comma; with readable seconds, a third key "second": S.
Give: {"hour": 10, "minute": 59}
